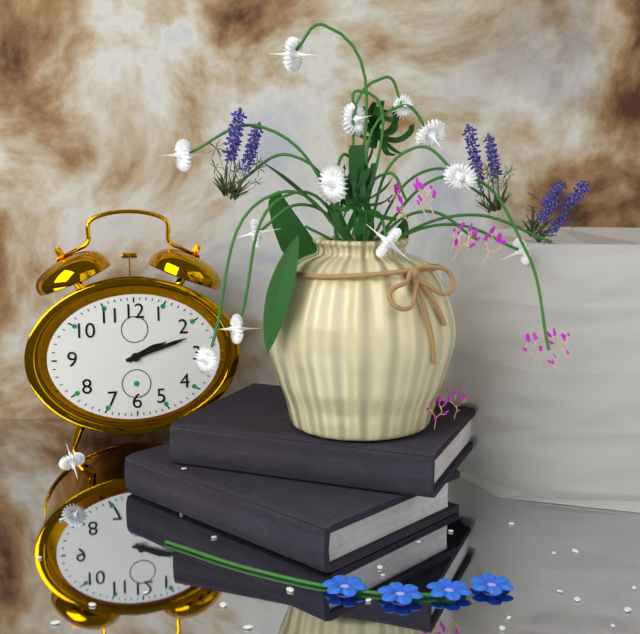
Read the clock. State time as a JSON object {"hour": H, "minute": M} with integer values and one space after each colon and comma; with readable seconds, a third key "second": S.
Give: {"hour": 2, "minute": 12}
